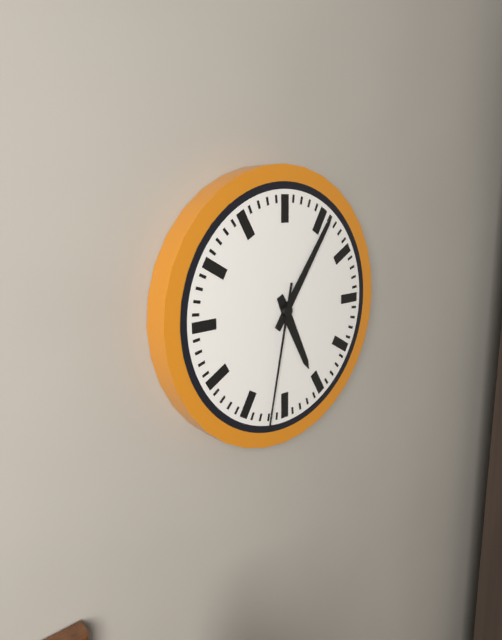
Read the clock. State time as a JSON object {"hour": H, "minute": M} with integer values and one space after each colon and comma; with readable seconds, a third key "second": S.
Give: {"hour": 5, "minute": 6, "second": 32}
